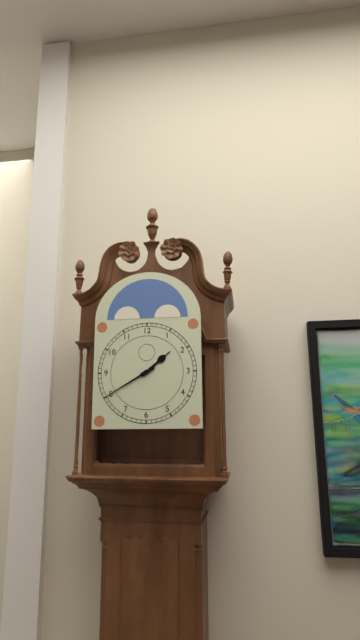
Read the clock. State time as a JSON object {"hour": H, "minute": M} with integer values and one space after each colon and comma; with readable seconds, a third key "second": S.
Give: {"hour": 1, "minute": 40}
